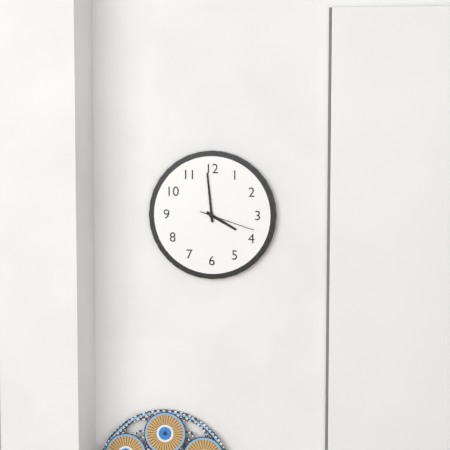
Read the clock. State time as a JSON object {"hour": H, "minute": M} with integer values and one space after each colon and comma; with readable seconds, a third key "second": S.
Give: {"hour": 3, "minute": 59, "second": 18}
